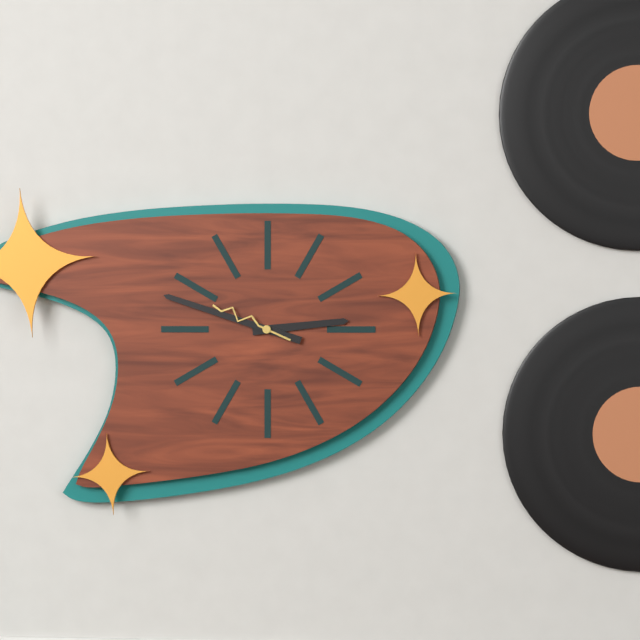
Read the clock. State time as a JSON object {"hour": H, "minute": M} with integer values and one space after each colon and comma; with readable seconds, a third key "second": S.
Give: {"hour": 2, "minute": 48, "second": 49}
